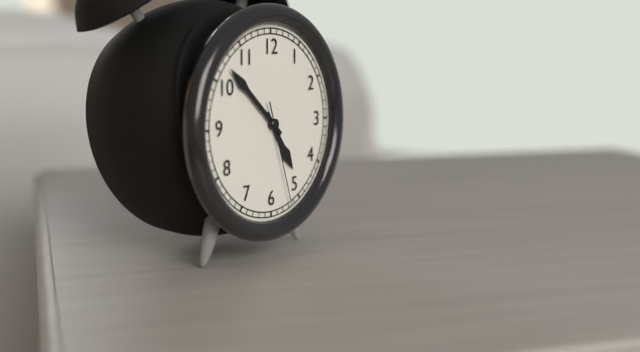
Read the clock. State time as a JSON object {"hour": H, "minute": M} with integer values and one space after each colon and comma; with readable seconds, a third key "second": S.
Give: {"hour": 4, "minute": 52, "second": 27}
